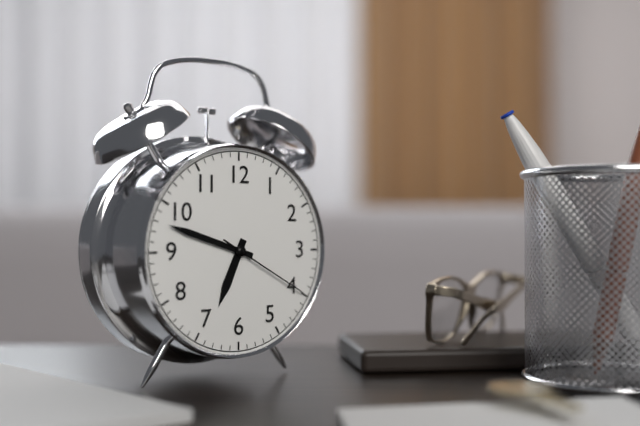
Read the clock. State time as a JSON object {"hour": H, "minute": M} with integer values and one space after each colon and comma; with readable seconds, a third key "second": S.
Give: {"hour": 6, "minute": 48, "second": 20}
